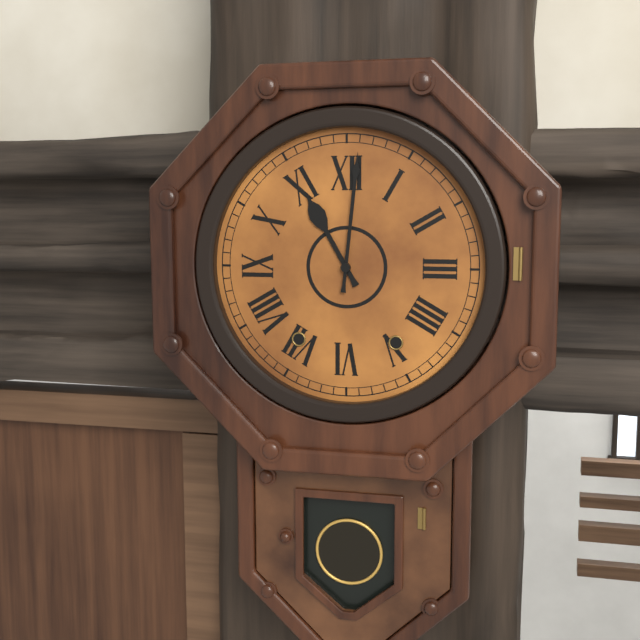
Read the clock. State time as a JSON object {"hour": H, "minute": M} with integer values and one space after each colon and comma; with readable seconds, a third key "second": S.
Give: {"hour": 11, "minute": 1}
